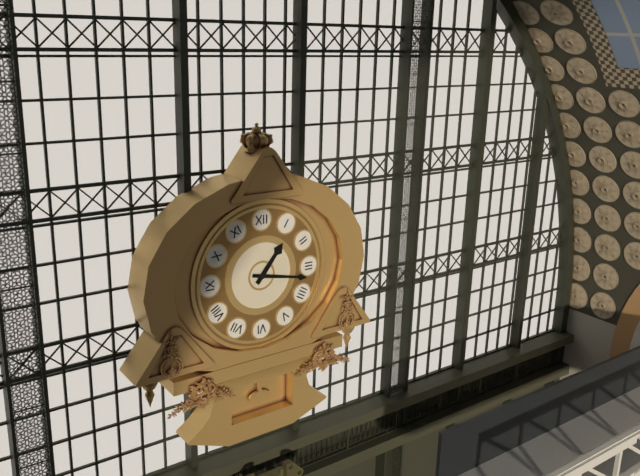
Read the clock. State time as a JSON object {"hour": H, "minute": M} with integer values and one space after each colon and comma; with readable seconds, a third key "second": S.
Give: {"hour": 1, "minute": 17}
